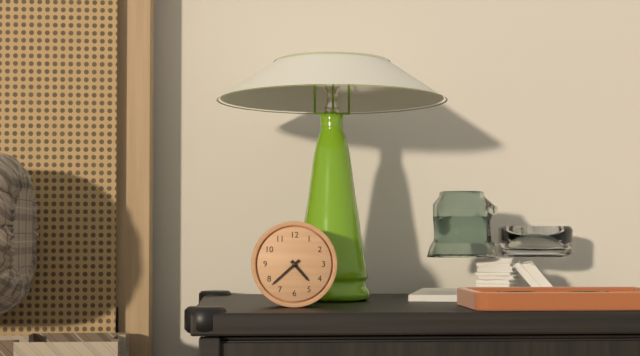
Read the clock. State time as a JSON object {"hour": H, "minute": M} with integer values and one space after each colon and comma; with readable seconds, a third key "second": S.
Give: {"hour": 4, "minute": 38}
